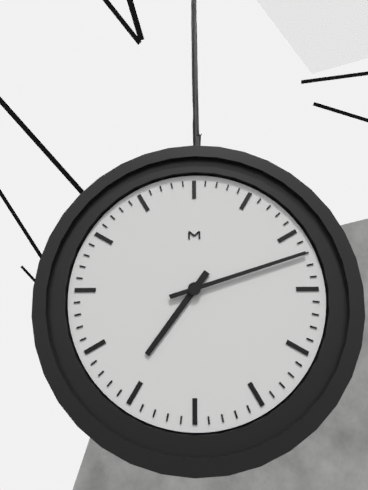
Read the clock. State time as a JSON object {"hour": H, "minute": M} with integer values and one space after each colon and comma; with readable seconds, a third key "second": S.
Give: {"hour": 7, "minute": 12}
